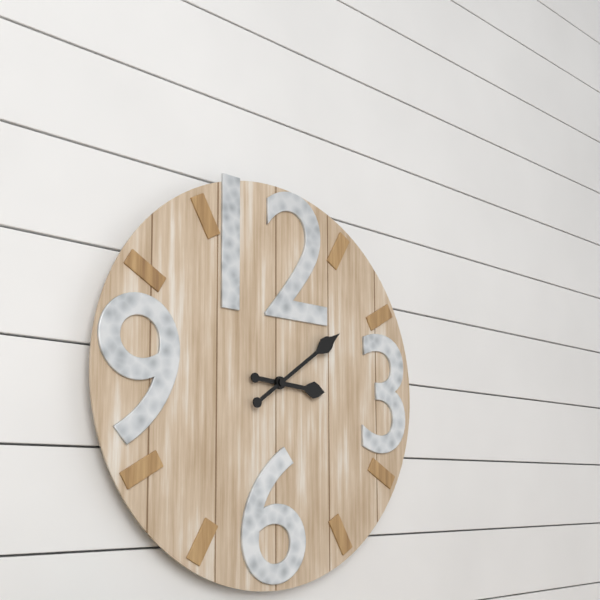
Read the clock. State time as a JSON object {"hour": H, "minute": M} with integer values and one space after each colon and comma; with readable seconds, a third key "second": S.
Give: {"hour": 3, "minute": 9}
